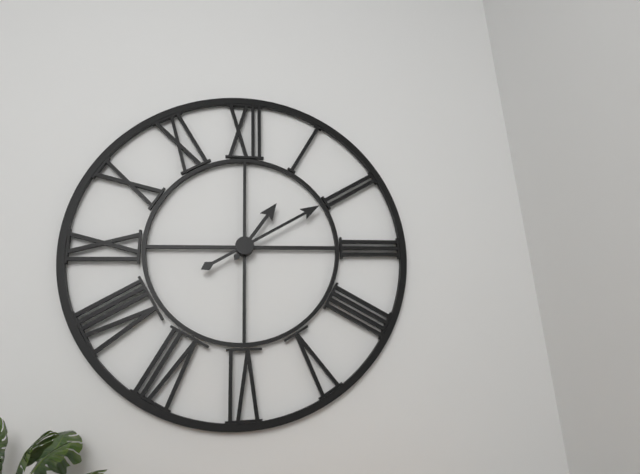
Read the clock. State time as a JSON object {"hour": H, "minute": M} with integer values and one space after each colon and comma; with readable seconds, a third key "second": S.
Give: {"hour": 1, "minute": 10}
